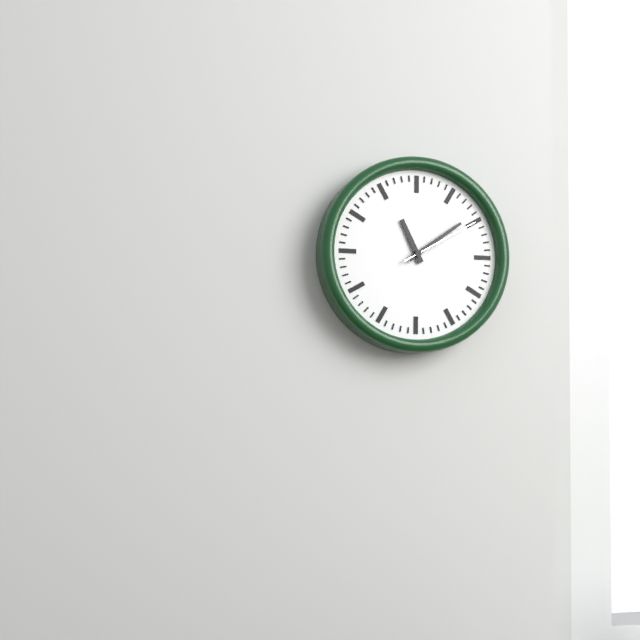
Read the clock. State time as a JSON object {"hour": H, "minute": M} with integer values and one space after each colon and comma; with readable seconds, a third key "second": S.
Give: {"hour": 11, "minute": 9, "second": 10}
